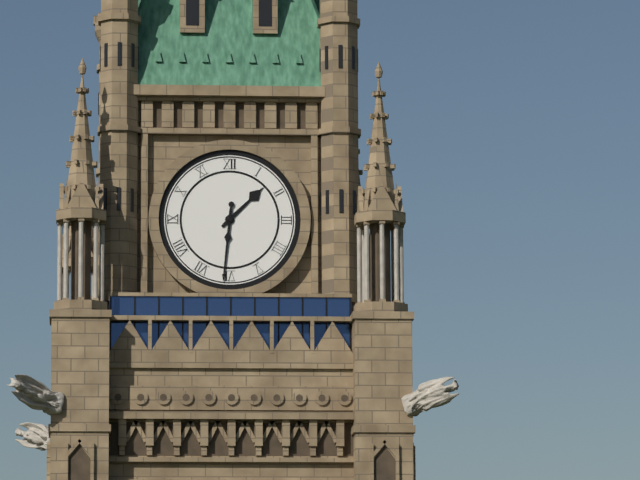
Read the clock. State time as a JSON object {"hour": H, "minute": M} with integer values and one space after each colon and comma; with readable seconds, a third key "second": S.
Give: {"hour": 1, "minute": 31}
